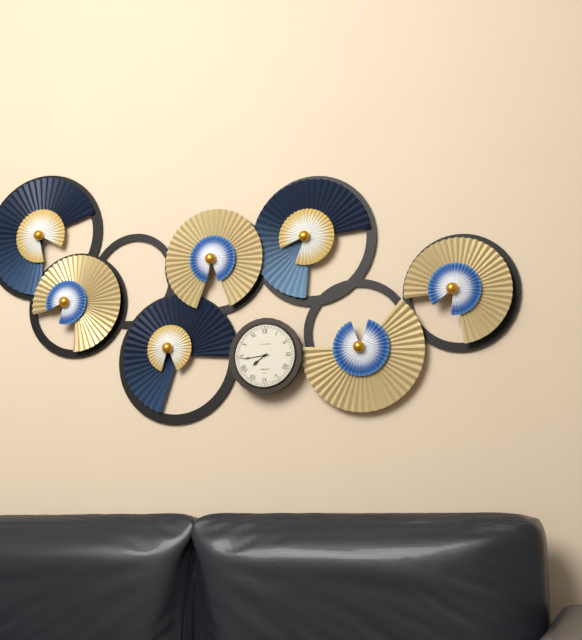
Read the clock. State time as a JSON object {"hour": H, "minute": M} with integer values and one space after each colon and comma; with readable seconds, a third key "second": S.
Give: {"hour": 7, "minute": 44}
